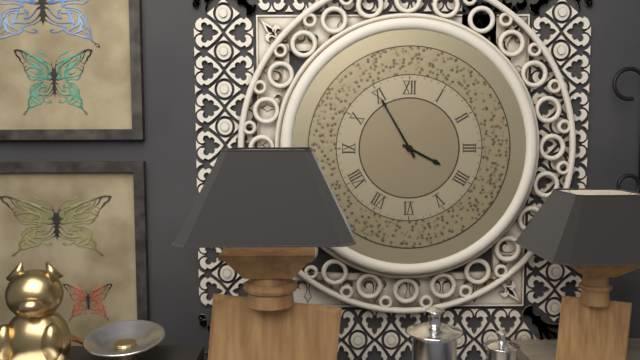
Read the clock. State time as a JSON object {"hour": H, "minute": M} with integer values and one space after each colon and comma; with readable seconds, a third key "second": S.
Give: {"hour": 3, "minute": 55}
